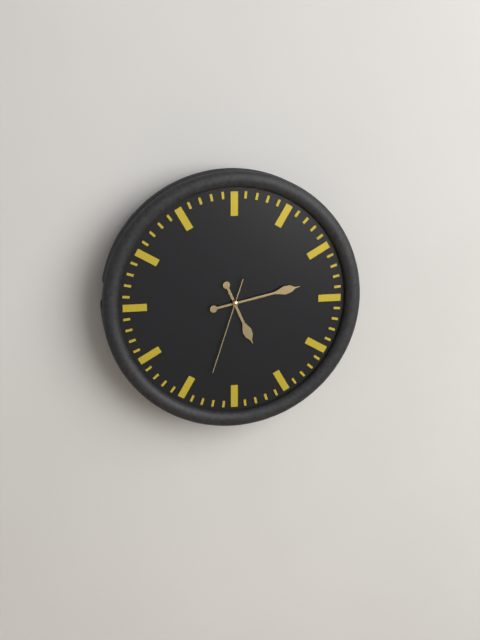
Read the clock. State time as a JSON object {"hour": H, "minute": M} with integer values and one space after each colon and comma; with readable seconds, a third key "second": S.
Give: {"hour": 5, "minute": 13, "second": 33}
